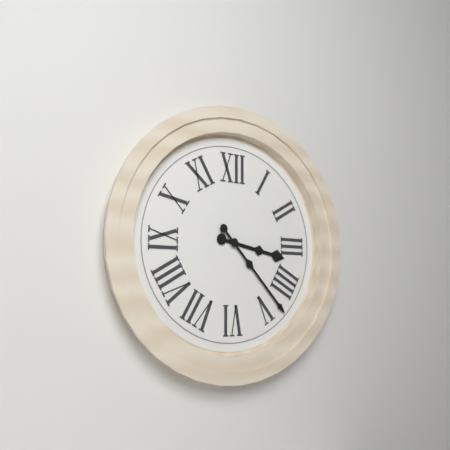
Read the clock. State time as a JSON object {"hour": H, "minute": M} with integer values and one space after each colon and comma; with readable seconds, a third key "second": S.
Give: {"hour": 3, "minute": 23}
